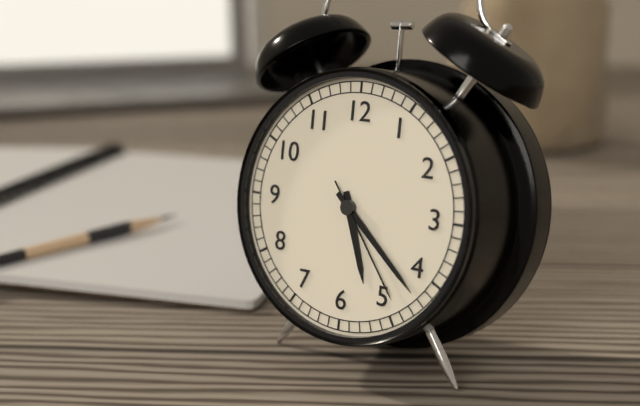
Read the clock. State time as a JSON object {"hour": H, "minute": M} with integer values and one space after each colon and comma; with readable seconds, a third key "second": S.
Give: {"hour": 5, "minute": 22, "second": 24}
